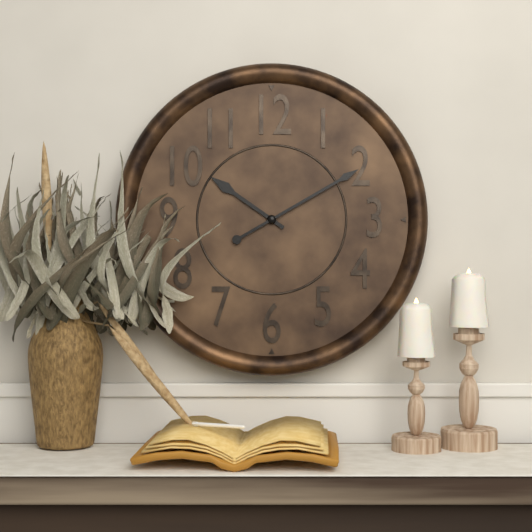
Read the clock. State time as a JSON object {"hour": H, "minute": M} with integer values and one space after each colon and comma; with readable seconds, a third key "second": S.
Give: {"hour": 10, "minute": 10}
